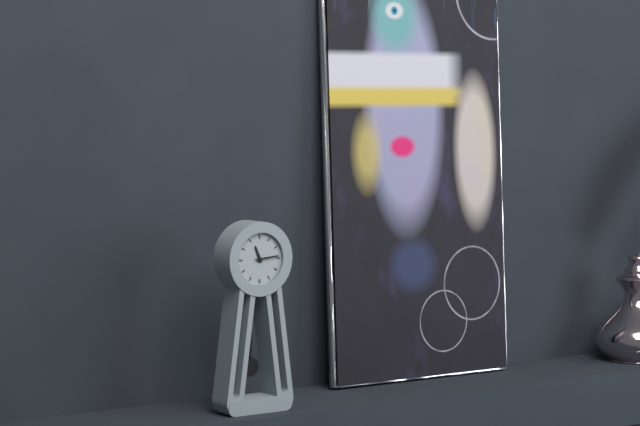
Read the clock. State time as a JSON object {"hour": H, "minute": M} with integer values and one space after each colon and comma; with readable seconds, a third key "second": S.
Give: {"hour": 11, "minute": 14}
